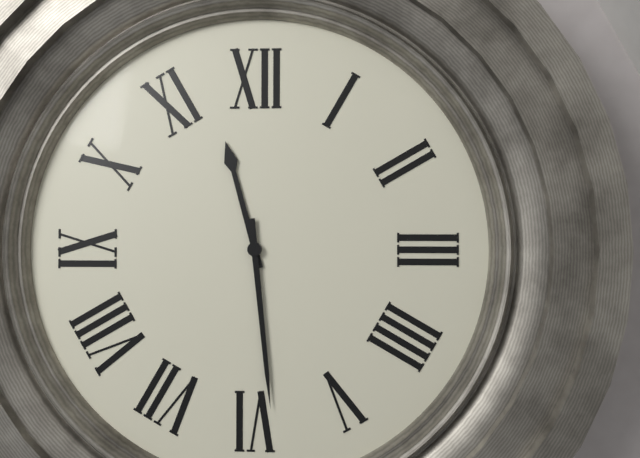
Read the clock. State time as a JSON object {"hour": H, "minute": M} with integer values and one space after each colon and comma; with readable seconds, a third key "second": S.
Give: {"hour": 11, "minute": 29}
